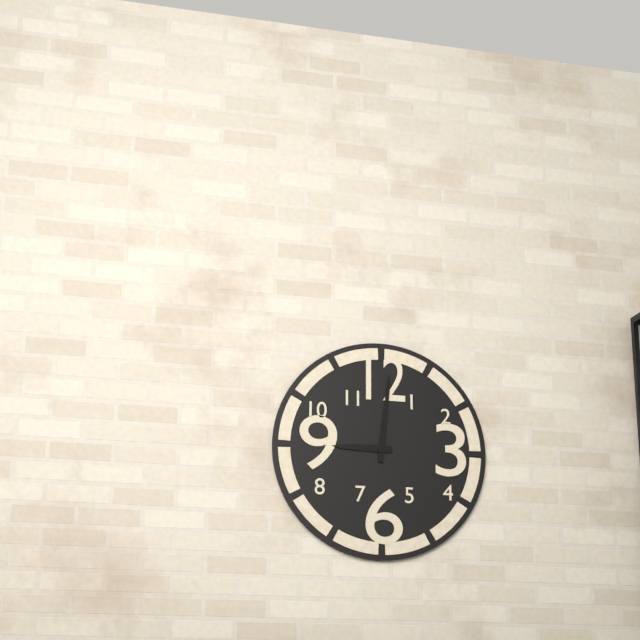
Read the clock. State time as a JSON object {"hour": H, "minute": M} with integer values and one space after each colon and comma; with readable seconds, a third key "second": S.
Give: {"hour": 9, "minute": 1}
